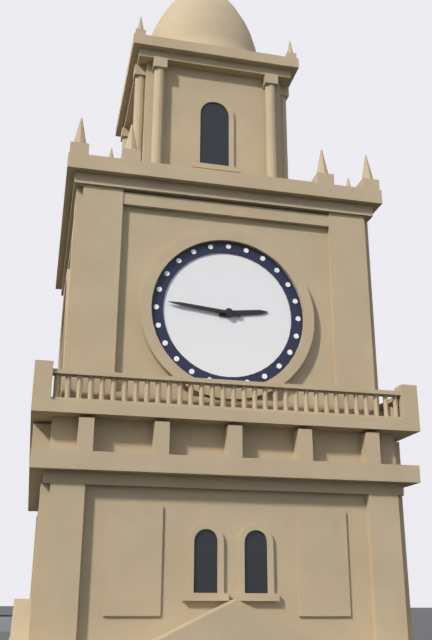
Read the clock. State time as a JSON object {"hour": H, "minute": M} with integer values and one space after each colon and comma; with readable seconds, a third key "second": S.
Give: {"hour": 2, "minute": 46}
